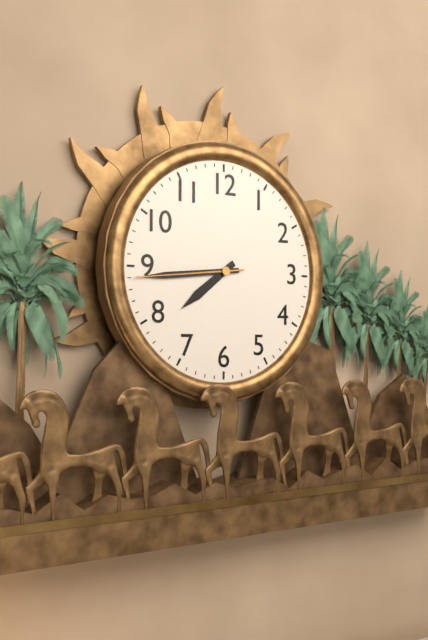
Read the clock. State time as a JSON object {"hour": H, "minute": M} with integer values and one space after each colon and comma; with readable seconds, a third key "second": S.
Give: {"hour": 7, "minute": 44, "second": 44}
